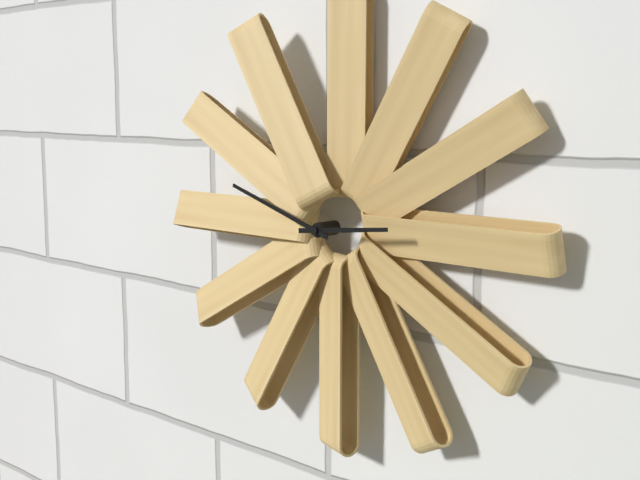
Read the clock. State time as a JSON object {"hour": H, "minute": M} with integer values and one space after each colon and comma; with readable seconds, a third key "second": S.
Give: {"hour": 2, "minute": 48}
